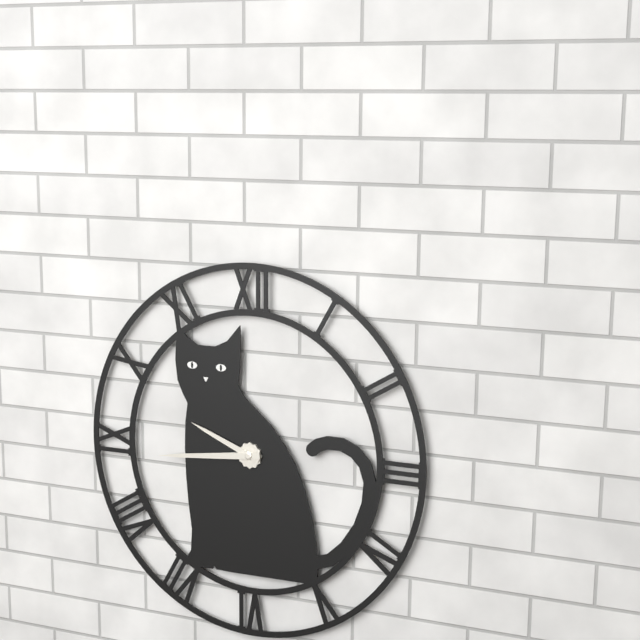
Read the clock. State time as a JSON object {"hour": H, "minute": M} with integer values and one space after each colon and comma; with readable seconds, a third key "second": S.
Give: {"hour": 9, "minute": 44}
